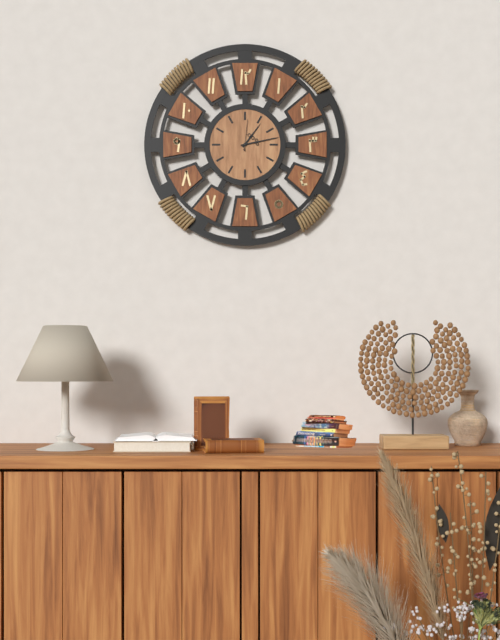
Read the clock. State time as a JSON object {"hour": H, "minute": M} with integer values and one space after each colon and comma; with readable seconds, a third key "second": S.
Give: {"hour": 1, "minute": 13}
